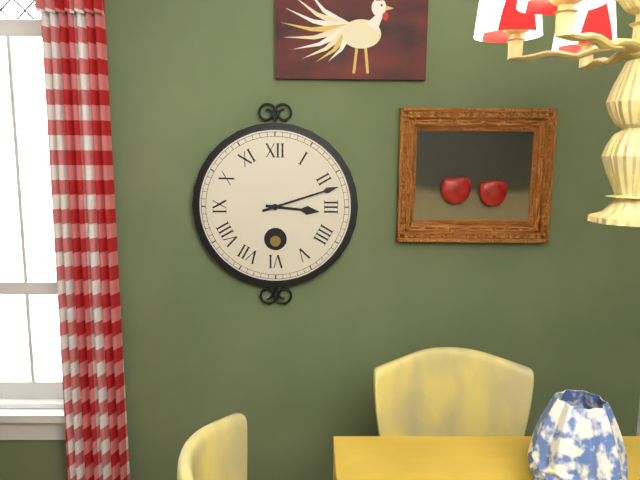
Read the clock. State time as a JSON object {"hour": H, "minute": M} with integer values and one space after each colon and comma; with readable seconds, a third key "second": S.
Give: {"hour": 3, "minute": 12}
